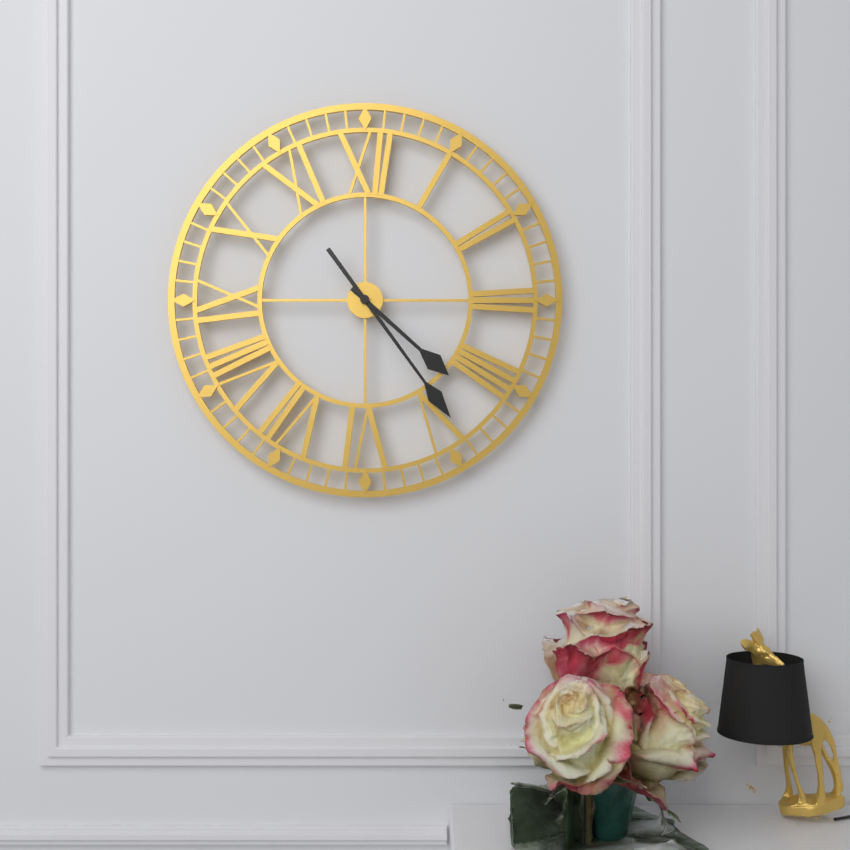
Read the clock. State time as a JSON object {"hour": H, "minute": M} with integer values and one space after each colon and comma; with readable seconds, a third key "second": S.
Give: {"hour": 4, "minute": 24}
